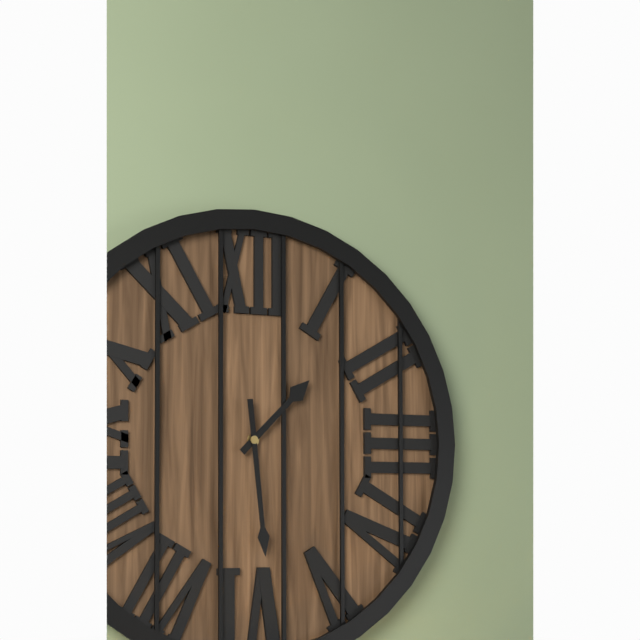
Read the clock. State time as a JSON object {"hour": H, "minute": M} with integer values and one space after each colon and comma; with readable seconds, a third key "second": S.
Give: {"hour": 1, "minute": 29}
